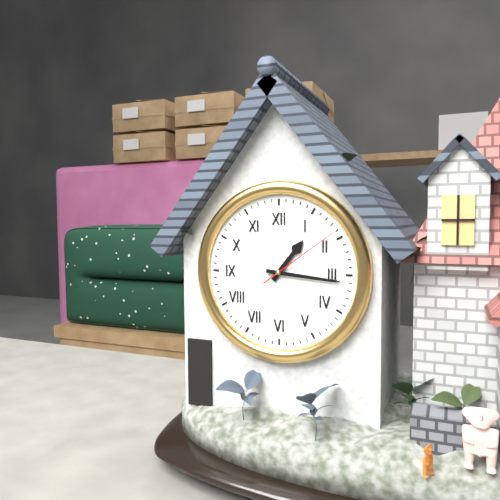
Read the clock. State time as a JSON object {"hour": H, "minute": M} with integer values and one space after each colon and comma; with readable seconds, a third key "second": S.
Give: {"hour": 1, "minute": 16, "second": 9}
